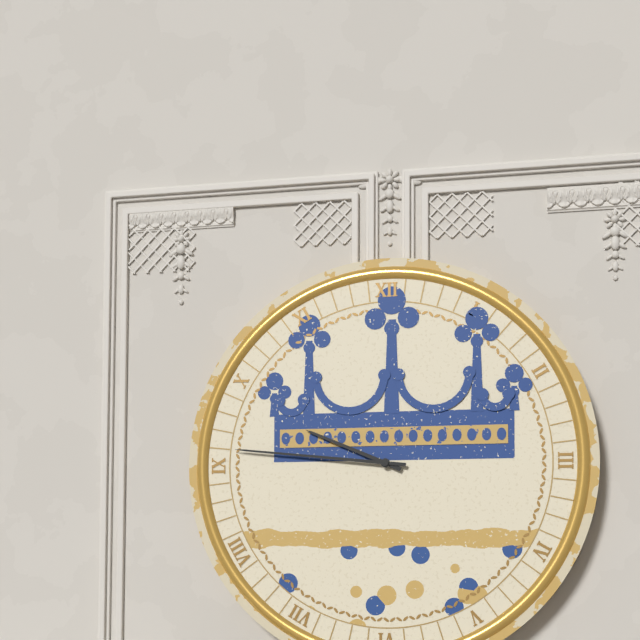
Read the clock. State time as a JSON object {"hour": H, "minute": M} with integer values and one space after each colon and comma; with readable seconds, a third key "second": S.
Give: {"hour": 9, "minute": 46}
